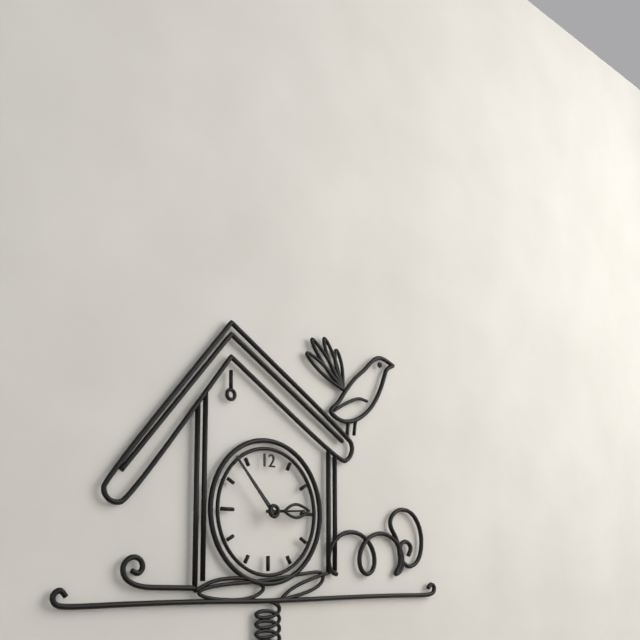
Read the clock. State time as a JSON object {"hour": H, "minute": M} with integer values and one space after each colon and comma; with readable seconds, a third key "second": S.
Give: {"hour": 2, "minute": 53}
